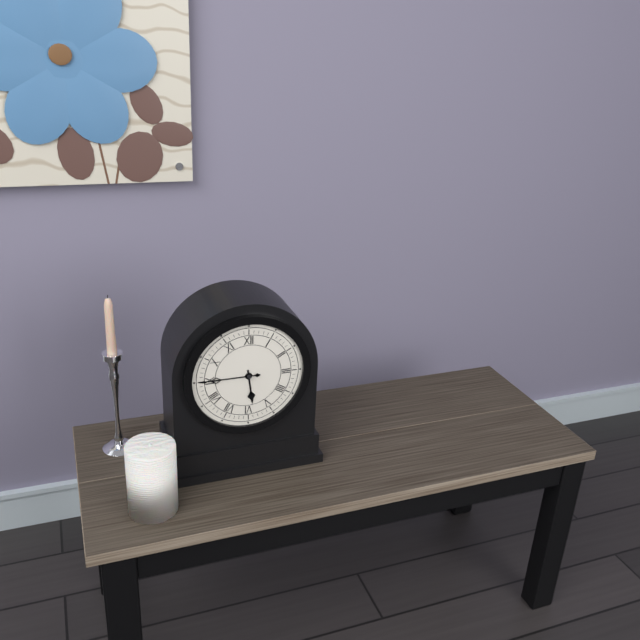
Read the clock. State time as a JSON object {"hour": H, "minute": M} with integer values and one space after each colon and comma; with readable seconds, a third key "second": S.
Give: {"hour": 5, "minute": 45}
